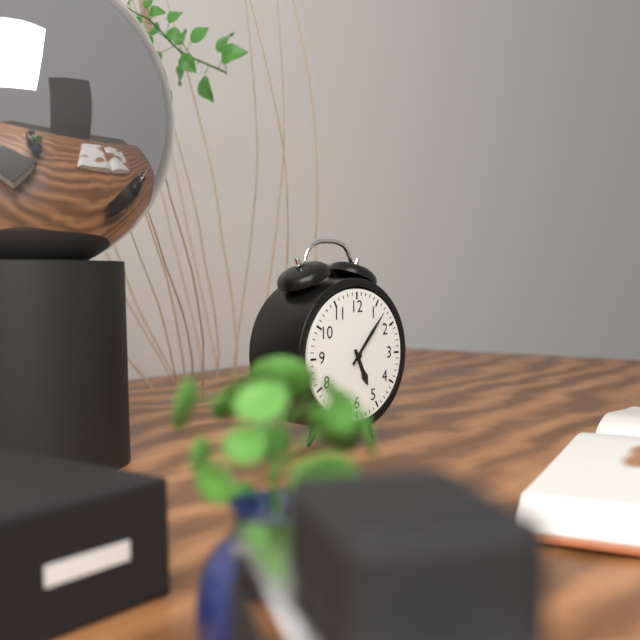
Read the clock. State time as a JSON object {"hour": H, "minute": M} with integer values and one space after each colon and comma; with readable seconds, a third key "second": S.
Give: {"hour": 5, "minute": 7}
